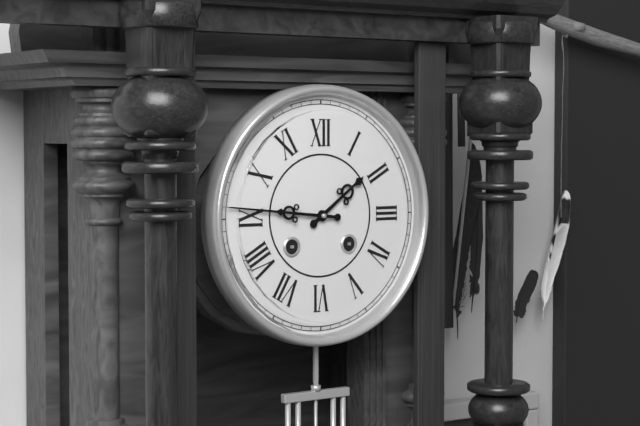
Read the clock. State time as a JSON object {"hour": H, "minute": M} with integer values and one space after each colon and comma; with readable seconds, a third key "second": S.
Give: {"hour": 1, "minute": 46}
